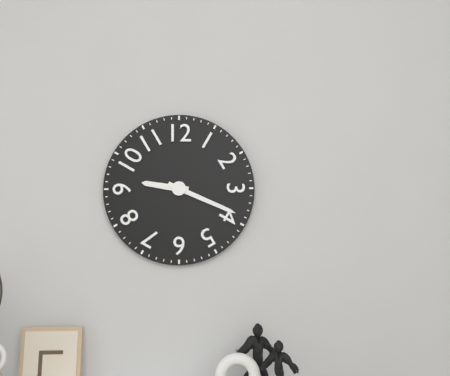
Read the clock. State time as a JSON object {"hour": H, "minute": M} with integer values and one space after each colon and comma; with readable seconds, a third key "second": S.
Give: {"hour": 9, "minute": 19}
